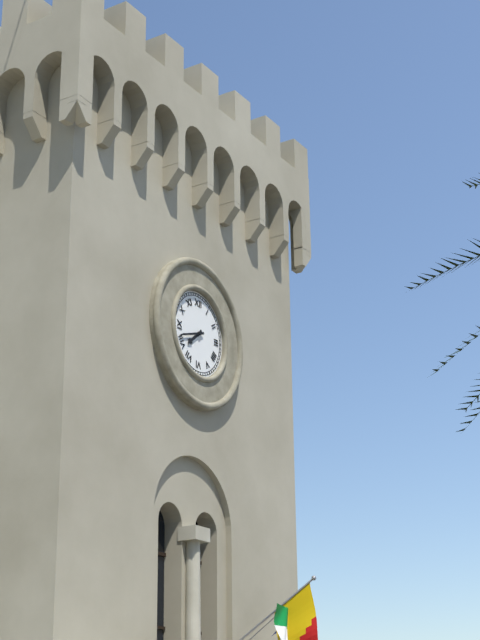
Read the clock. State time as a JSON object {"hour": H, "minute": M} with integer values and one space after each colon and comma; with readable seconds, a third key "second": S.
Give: {"hour": 7, "minute": 42}
